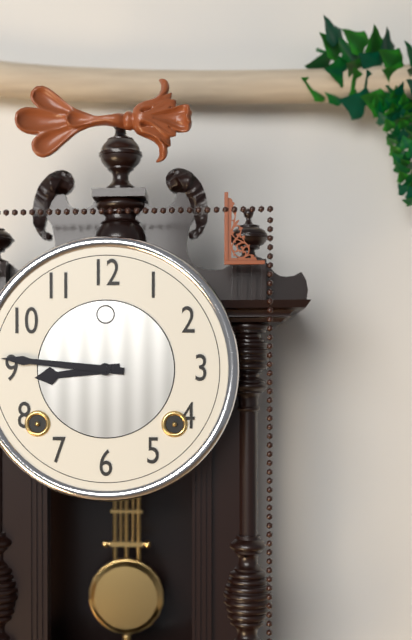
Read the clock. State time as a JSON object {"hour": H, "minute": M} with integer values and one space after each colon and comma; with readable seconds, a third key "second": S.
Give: {"hour": 8, "minute": 46}
